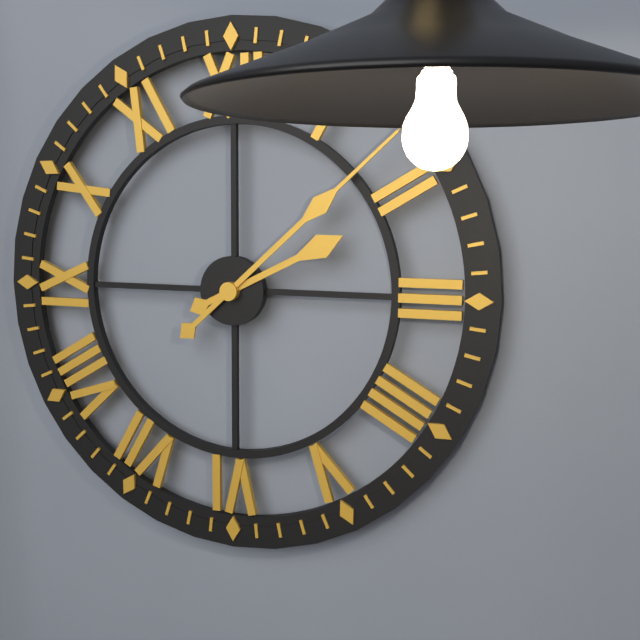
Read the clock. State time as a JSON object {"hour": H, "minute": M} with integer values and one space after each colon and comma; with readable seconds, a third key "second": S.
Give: {"hour": 2, "minute": 8}
